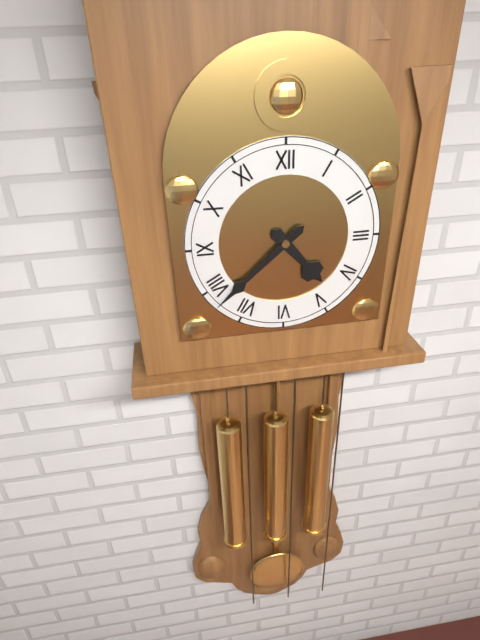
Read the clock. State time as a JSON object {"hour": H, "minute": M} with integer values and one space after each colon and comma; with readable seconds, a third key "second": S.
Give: {"hour": 4, "minute": 38}
